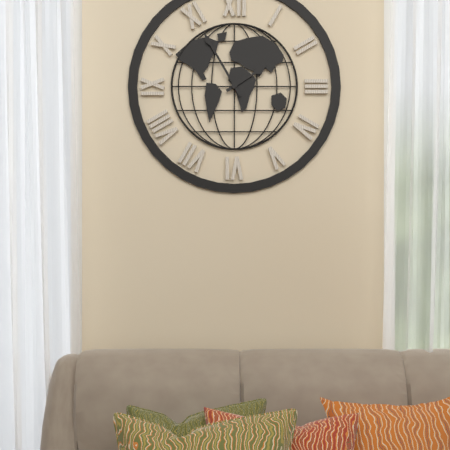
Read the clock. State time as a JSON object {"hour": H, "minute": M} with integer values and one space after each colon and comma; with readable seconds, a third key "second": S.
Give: {"hour": 1, "minute": 55}
